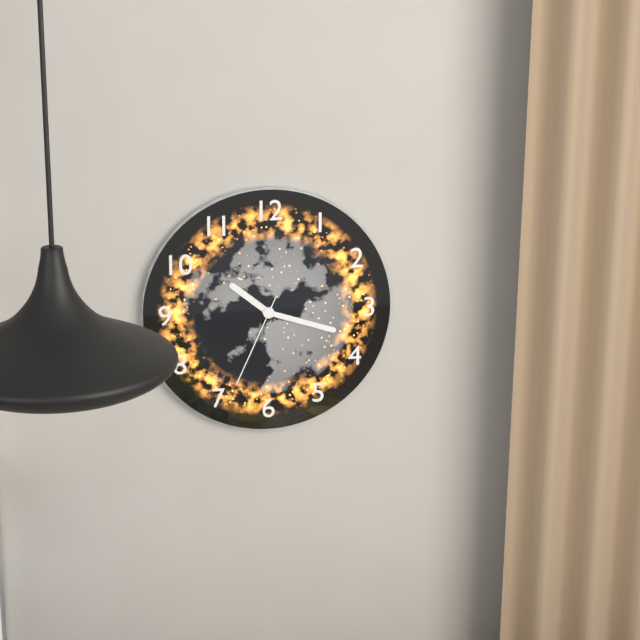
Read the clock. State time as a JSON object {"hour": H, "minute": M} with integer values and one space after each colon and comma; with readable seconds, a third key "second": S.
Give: {"hour": 10, "minute": 18, "second": 34}
